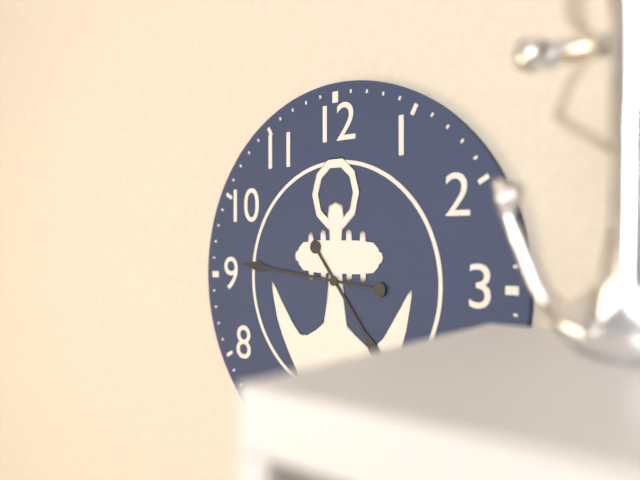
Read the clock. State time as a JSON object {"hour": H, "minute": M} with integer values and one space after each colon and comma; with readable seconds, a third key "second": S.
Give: {"hour": 4, "minute": 46}
